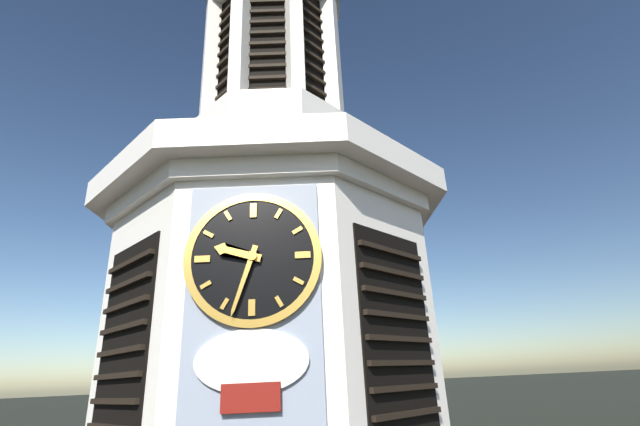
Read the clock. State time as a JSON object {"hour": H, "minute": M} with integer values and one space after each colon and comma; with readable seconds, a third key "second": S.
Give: {"hour": 9, "minute": 33}
